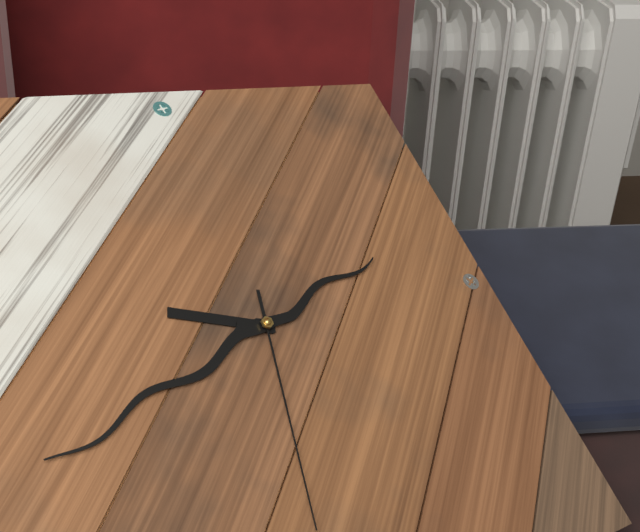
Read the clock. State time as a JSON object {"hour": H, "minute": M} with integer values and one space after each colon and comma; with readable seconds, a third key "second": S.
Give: {"hour": 9, "minute": 42, "second": 32}
